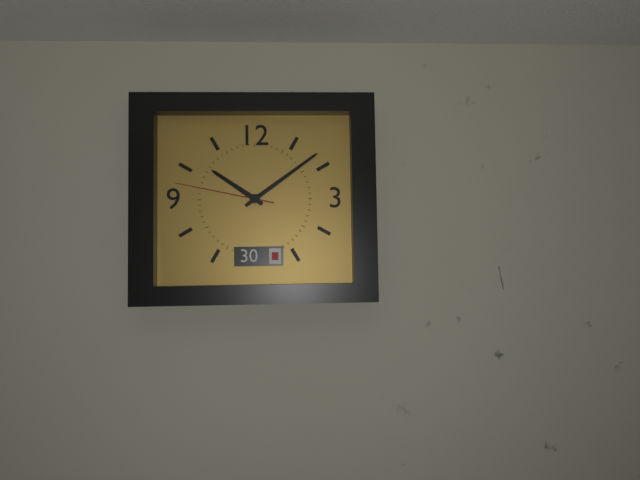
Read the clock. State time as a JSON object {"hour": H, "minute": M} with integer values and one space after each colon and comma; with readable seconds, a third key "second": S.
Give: {"hour": 10, "minute": 9, "second": 47}
